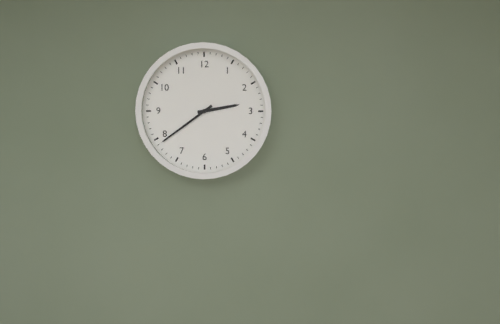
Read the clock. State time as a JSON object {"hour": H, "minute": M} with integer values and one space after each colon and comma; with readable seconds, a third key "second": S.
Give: {"hour": 2, "minute": 39}
